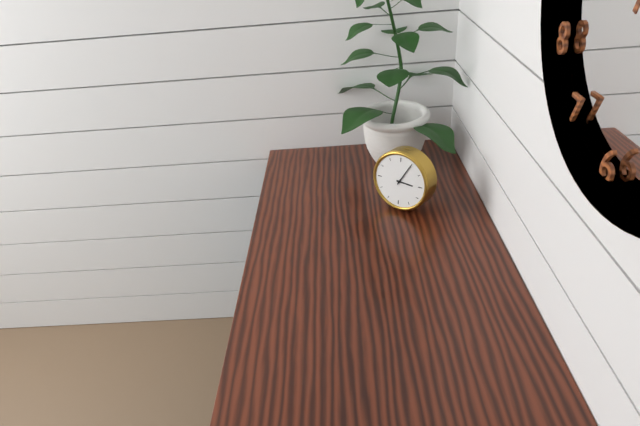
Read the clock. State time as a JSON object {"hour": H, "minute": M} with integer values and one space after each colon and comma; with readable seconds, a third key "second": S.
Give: {"hour": 3, "minute": 5}
